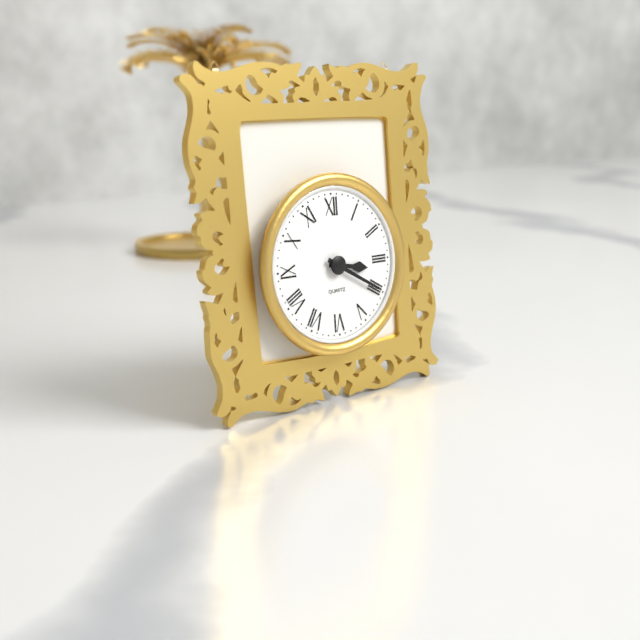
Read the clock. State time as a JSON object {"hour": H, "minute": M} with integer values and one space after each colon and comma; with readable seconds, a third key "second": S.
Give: {"hour": 3, "minute": 20}
